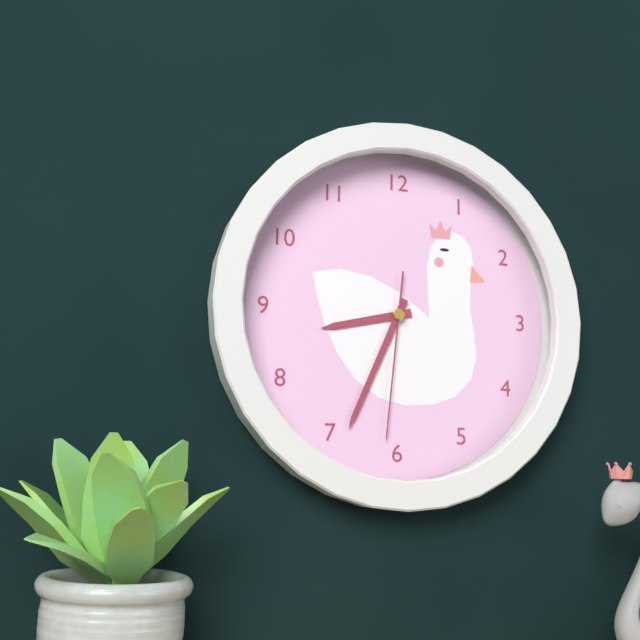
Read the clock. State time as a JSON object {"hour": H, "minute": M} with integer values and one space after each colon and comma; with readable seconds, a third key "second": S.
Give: {"hour": 8, "minute": 34, "second": 31}
